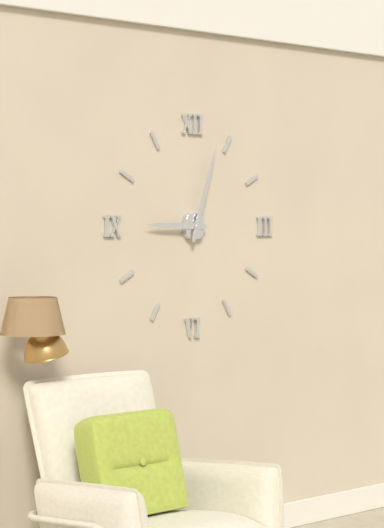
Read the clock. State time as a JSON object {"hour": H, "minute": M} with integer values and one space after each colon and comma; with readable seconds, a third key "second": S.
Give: {"hour": 9, "minute": 3}
